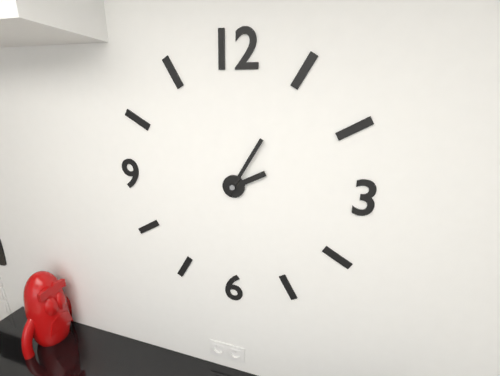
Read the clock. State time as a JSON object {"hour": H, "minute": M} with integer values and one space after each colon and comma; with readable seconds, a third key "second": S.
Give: {"hour": 2, "minute": 5}
